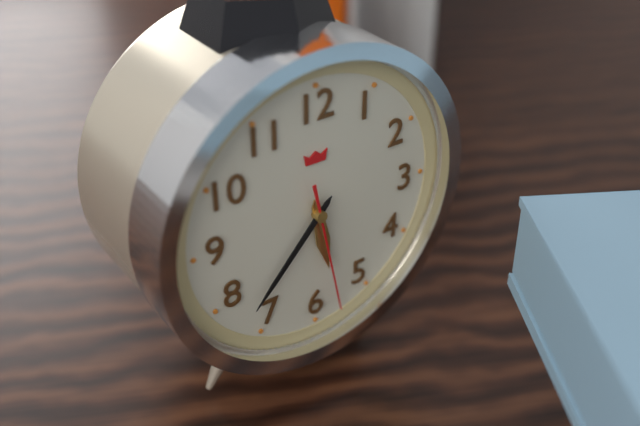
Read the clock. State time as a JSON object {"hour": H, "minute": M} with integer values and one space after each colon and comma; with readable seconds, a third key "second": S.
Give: {"hour": 5, "minute": 37, "second": 28}
